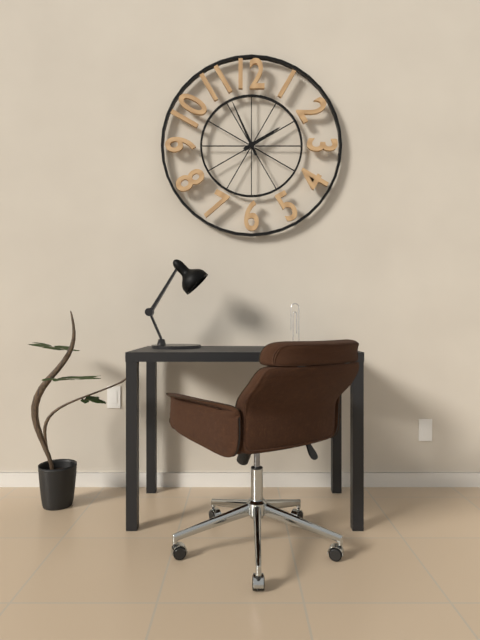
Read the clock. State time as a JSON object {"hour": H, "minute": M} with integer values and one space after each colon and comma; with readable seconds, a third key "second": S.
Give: {"hour": 1, "minute": 56}
